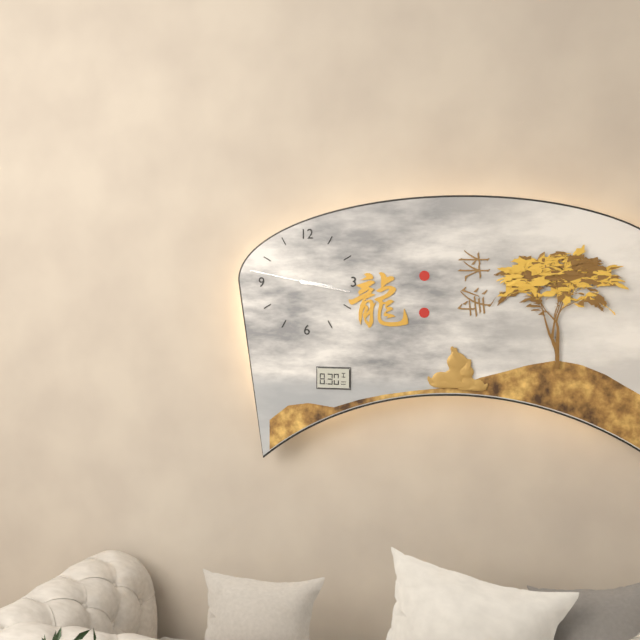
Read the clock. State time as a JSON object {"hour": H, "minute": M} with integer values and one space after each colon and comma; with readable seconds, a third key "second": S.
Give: {"hour": 3, "minute": 17, "second": 47}
